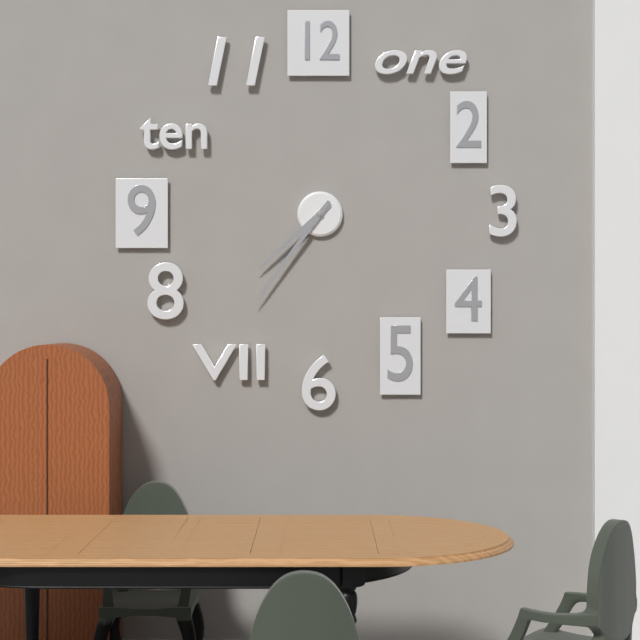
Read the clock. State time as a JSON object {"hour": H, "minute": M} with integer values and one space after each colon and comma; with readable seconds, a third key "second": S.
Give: {"hour": 7, "minute": 36}
